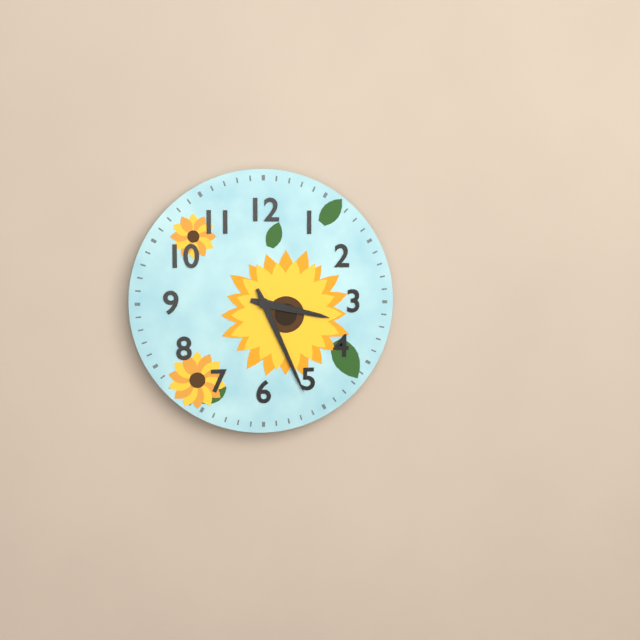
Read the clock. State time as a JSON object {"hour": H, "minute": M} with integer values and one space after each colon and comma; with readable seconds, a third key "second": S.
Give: {"hour": 3, "minute": 26}
